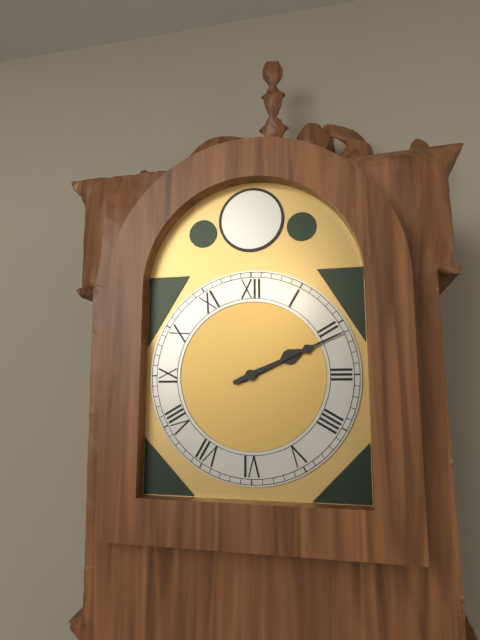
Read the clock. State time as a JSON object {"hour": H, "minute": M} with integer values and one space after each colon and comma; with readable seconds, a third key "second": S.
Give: {"hour": 2, "minute": 11}
